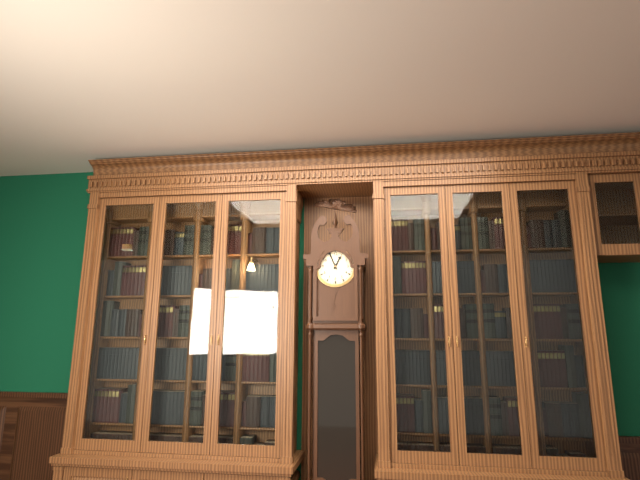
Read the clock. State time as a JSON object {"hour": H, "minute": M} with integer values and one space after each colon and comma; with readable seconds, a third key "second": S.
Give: {"hour": 12, "minute": 56}
